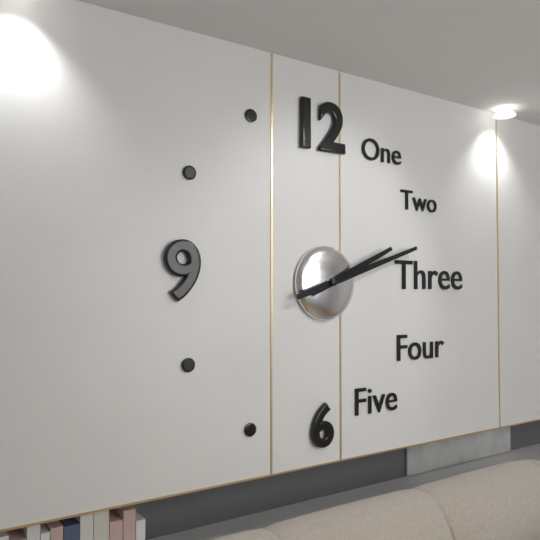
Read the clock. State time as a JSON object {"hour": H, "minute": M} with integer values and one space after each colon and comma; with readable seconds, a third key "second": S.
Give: {"hour": 2, "minute": 12}
